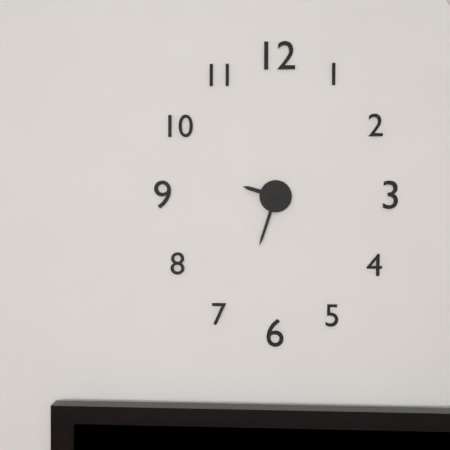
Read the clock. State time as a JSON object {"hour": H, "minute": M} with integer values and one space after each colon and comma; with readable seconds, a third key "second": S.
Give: {"hour": 9, "minute": 33}
